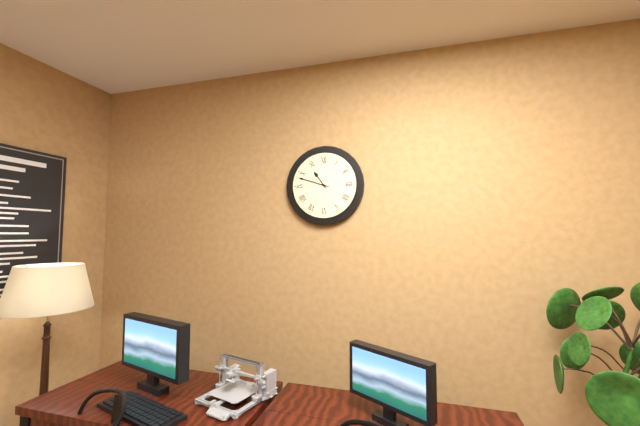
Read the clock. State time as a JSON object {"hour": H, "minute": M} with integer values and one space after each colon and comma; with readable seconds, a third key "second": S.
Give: {"hour": 10, "minute": 48}
